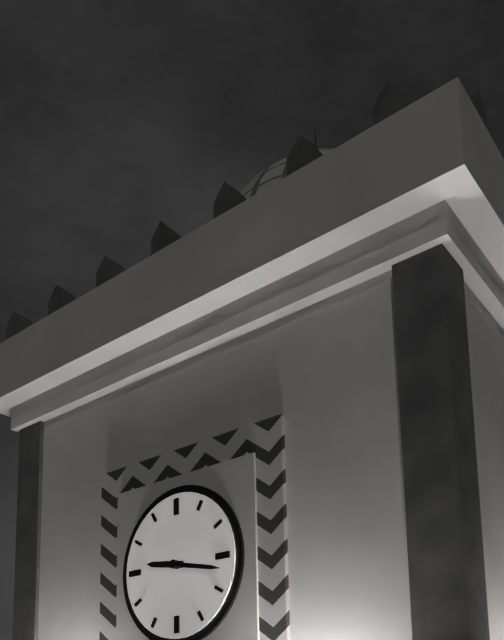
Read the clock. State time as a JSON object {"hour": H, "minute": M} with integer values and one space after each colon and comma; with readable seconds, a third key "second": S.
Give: {"hour": 9, "minute": 17}
